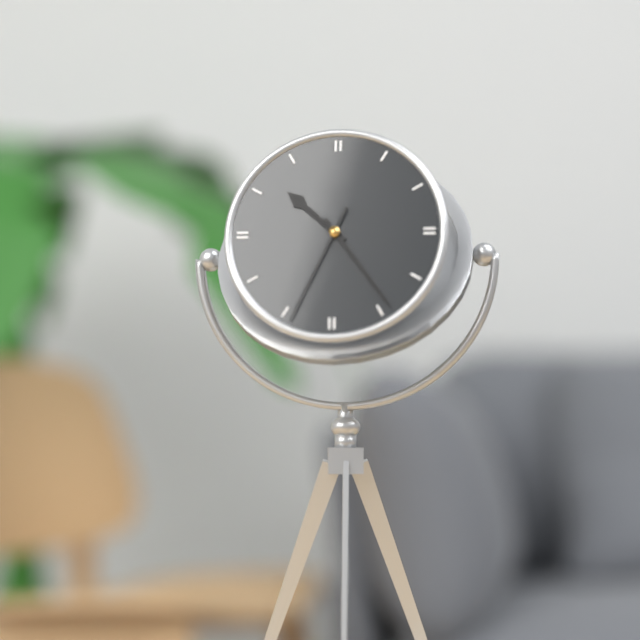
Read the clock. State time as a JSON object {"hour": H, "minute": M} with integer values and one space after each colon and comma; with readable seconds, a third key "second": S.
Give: {"hour": 10, "minute": 24, "second": 34}
